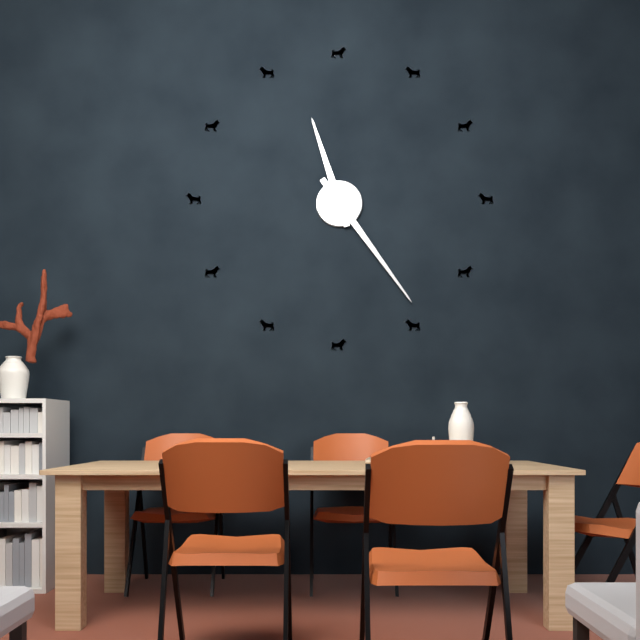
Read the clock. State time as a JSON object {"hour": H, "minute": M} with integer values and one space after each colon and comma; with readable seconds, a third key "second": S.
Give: {"hour": 11, "minute": 24}
